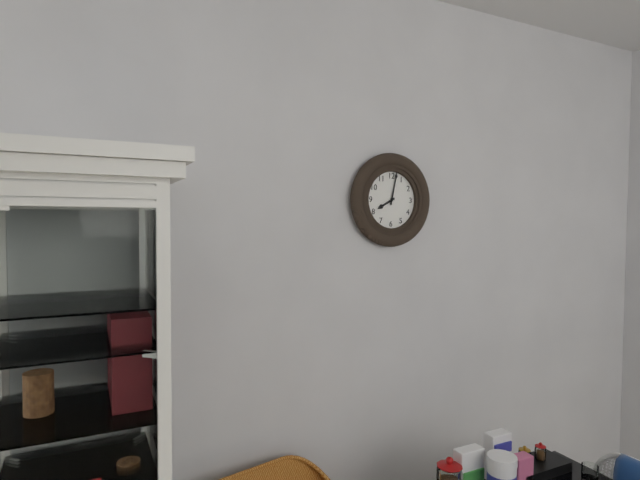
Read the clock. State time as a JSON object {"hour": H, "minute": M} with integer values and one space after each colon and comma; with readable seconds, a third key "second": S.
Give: {"hour": 8, "minute": 2}
